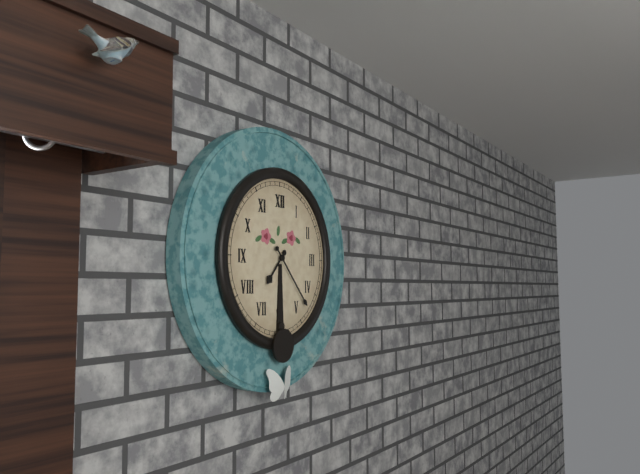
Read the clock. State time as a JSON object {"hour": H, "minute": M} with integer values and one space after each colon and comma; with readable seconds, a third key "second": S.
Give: {"hour": 7, "minute": 23}
